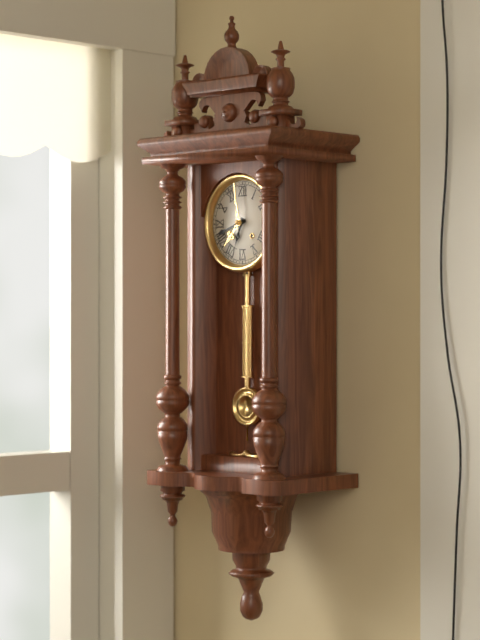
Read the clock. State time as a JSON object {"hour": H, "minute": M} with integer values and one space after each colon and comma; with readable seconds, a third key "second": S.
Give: {"hour": 6, "minute": 42}
